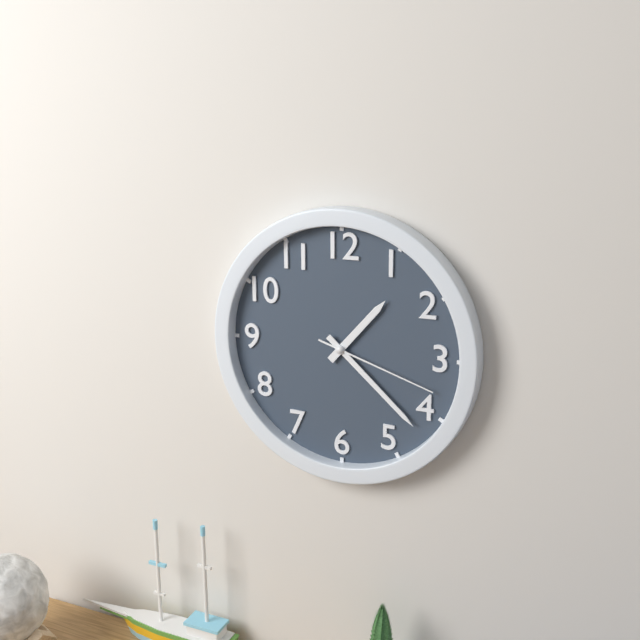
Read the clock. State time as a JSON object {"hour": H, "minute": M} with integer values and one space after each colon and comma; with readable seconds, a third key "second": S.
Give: {"hour": 1, "minute": 22, "second": 18}
